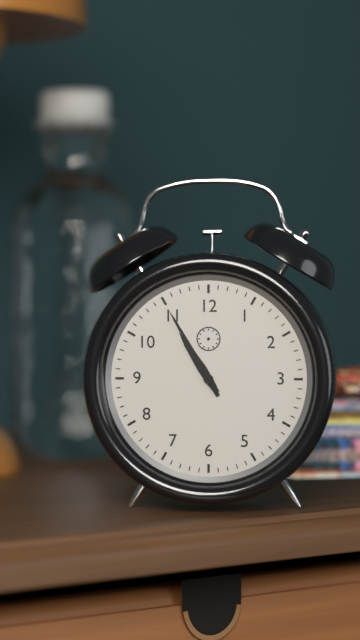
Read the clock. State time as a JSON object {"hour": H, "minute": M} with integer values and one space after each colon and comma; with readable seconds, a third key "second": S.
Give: {"hour": 10, "minute": 55}
